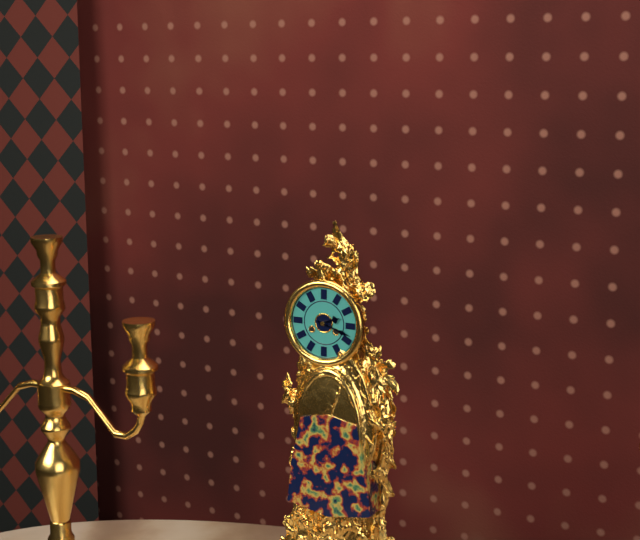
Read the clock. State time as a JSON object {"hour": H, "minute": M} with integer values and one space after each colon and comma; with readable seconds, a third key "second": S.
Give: {"hour": 2, "minute": 18}
